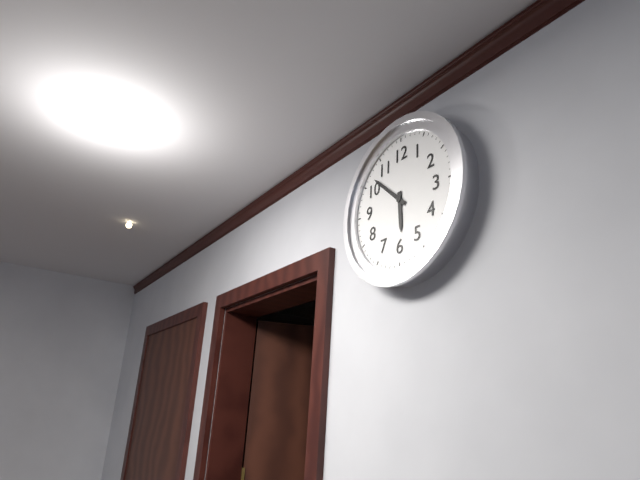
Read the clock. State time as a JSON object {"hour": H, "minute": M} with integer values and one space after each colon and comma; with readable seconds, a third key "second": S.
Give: {"hour": 5, "minute": 52}
